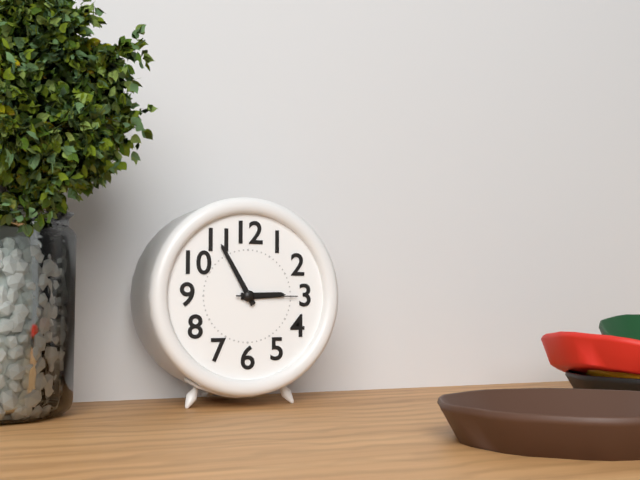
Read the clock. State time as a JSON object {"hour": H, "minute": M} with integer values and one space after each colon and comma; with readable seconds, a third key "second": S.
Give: {"hour": 2, "minute": 55, "second": 15}
